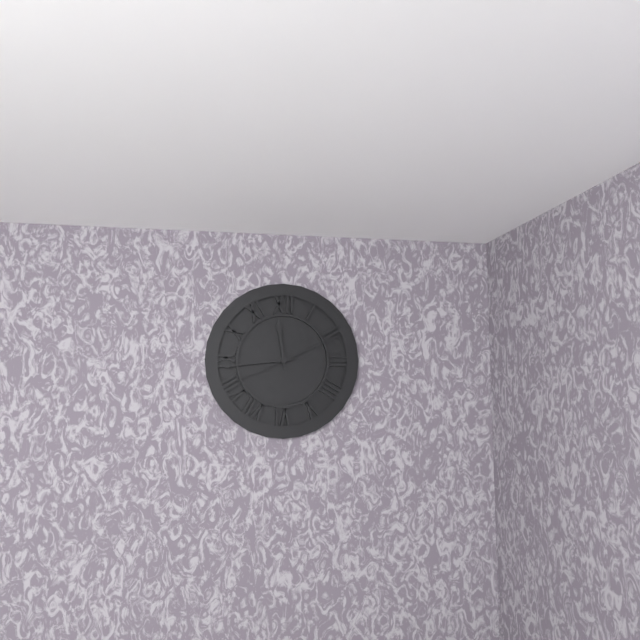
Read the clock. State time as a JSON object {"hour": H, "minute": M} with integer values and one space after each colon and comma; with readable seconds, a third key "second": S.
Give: {"hour": 11, "minute": 44, "second": 11}
